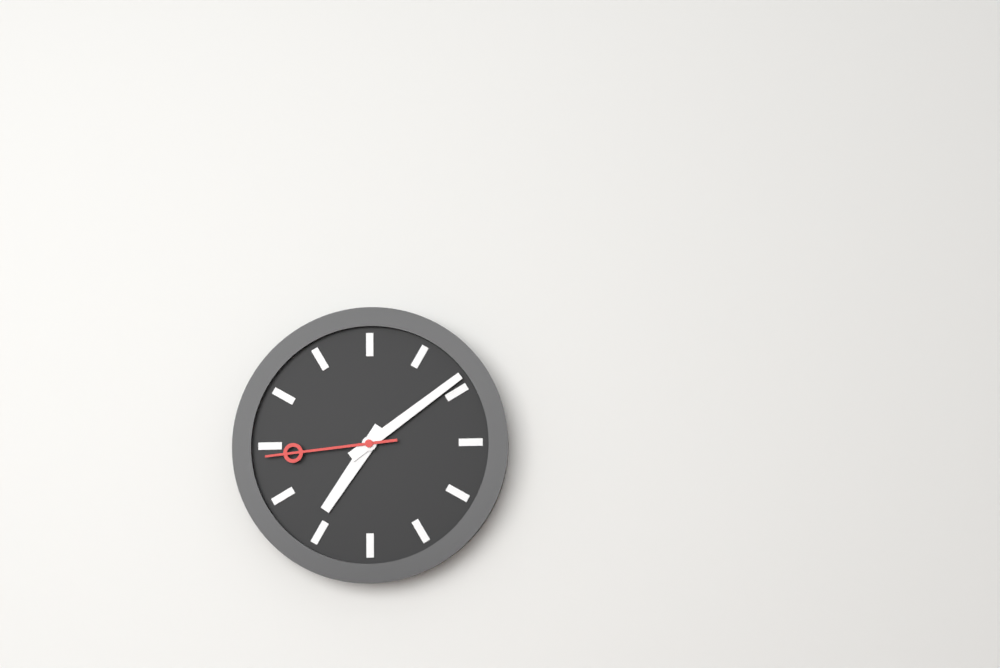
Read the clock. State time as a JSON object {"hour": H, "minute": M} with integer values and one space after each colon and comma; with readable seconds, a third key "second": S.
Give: {"hour": 7, "minute": 9, "second": 44}
